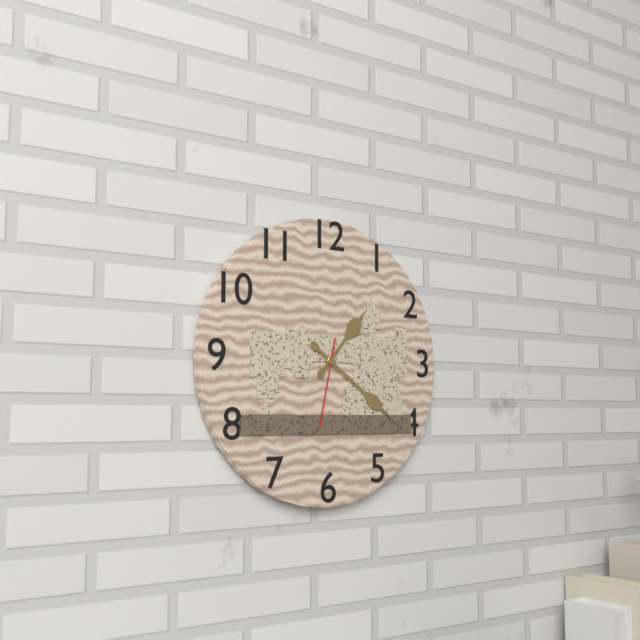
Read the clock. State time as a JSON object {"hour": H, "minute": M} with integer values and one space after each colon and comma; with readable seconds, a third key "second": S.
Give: {"hour": 1, "minute": 21, "second": 32}
